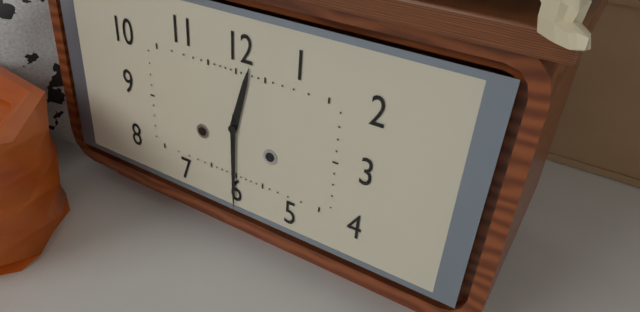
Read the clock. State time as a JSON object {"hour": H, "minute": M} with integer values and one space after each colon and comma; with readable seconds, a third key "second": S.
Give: {"hour": 12, "minute": 30}
